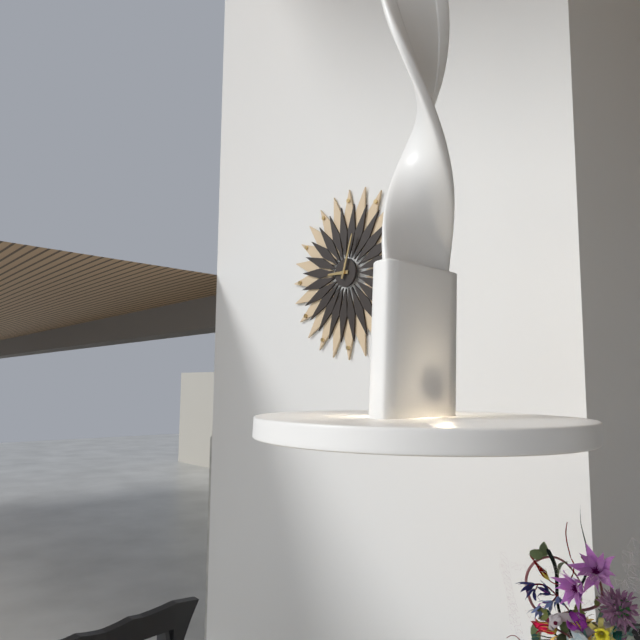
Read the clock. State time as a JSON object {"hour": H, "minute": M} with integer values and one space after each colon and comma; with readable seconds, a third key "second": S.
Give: {"hour": 9, "minute": 3}
